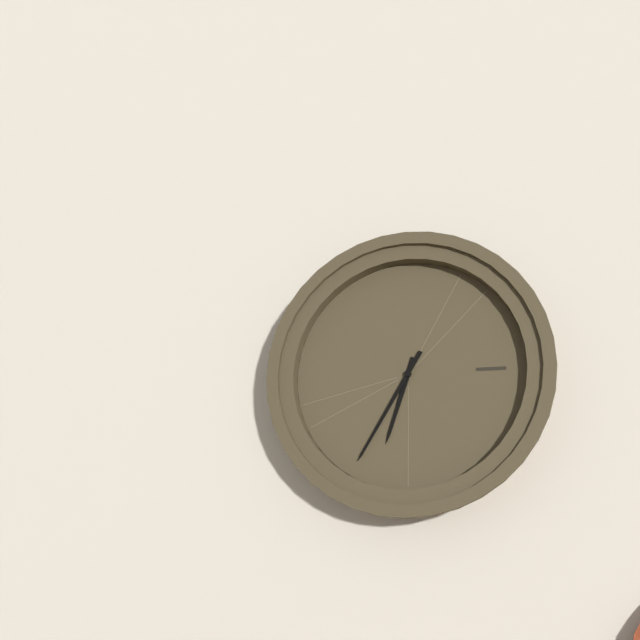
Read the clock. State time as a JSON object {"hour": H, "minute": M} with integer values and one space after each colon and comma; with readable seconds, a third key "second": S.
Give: {"hour": 6, "minute": 35}
